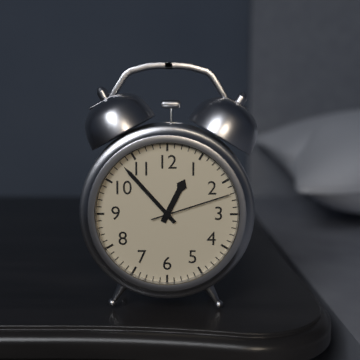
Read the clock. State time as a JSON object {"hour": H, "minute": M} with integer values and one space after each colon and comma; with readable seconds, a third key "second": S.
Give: {"hour": 12, "minute": 53, "second": 12}
